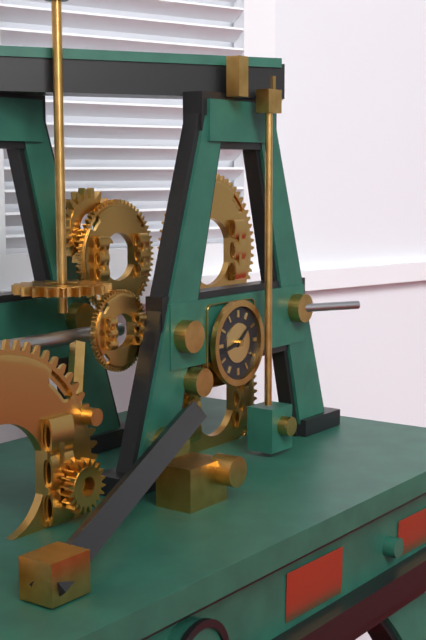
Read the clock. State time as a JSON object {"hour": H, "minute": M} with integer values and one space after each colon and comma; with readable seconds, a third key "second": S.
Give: {"hour": 1, "minute": 43}
